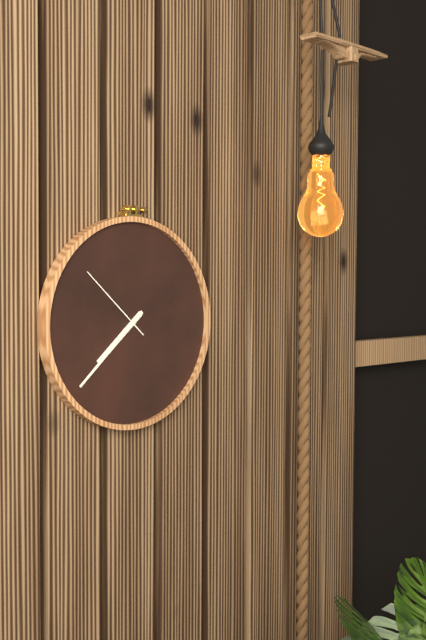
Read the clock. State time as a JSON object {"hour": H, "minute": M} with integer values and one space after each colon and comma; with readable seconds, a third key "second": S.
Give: {"hour": 7, "minute": 38, "second": 52}
